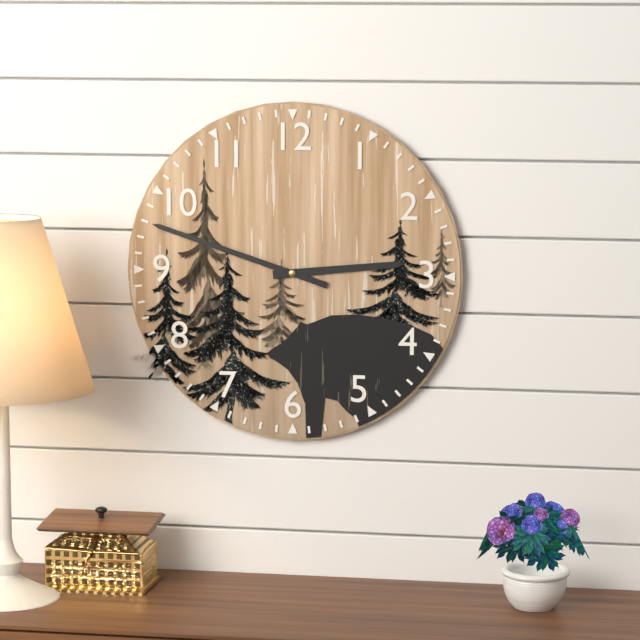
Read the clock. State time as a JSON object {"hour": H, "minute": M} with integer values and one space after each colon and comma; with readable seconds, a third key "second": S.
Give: {"hour": 2, "minute": 48}
